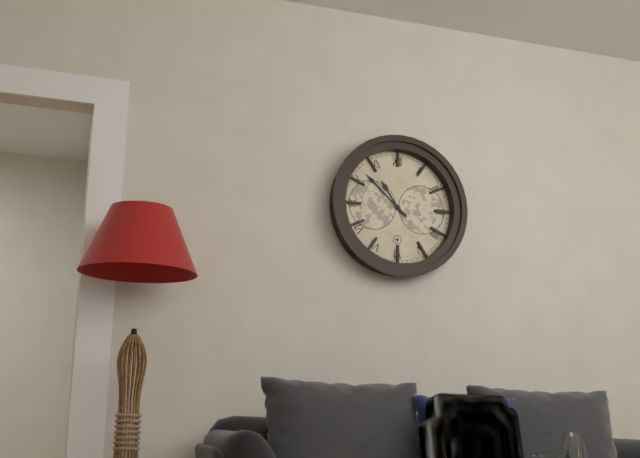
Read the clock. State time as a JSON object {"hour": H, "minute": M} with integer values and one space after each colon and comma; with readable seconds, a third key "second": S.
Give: {"hour": 10, "minute": 52}
